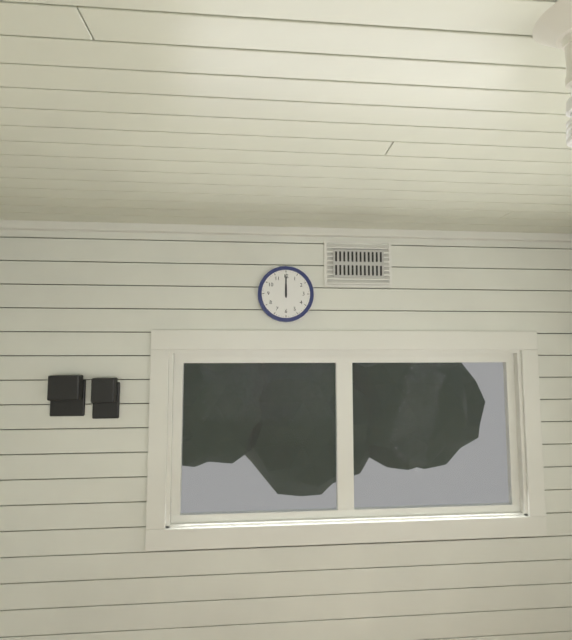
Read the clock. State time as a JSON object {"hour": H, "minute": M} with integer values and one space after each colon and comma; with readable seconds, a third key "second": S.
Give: {"hour": 12, "minute": 0}
